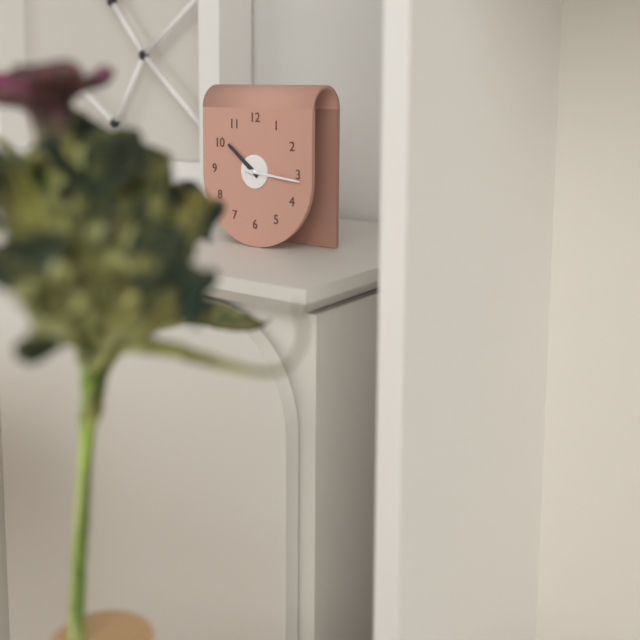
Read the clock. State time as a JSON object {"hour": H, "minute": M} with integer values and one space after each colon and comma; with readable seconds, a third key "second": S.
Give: {"hour": 10, "minute": 16}
